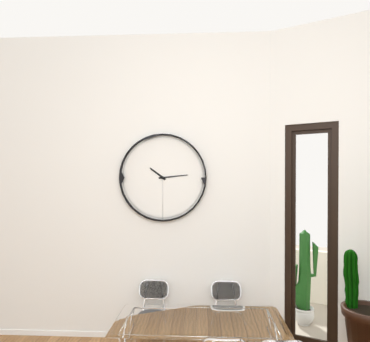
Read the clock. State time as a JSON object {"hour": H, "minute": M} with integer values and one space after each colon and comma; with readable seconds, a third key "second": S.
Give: {"hour": 10, "minute": 14}
